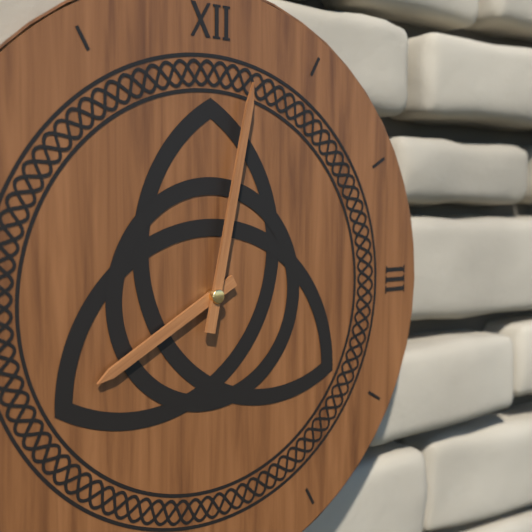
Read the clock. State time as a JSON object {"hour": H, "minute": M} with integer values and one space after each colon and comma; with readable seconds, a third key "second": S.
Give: {"hour": 8, "minute": 2}
